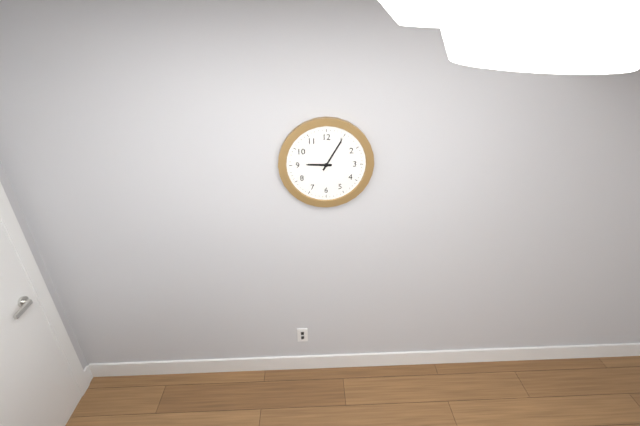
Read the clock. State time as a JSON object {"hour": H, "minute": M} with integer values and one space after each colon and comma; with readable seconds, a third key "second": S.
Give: {"hour": 9, "minute": 5}
